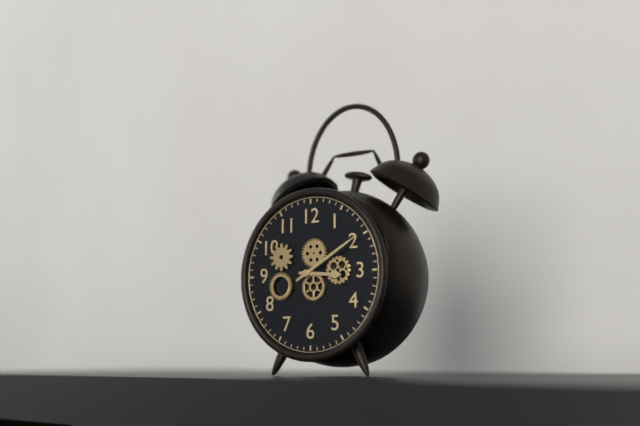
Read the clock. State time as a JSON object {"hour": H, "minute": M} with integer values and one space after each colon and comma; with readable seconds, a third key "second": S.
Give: {"hour": 3, "minute": 10}
